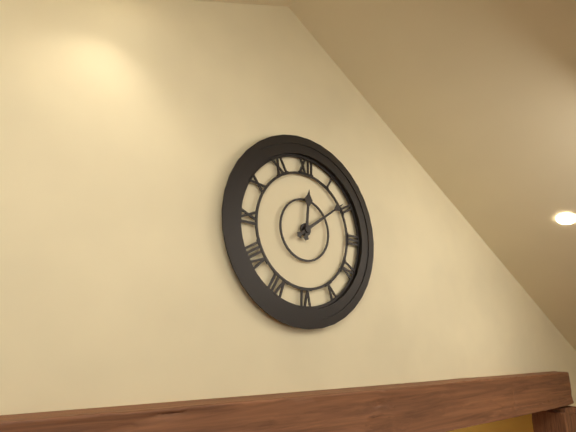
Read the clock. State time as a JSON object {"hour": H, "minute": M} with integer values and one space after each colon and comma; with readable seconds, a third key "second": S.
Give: {"hour": 12, "minute": 9}
